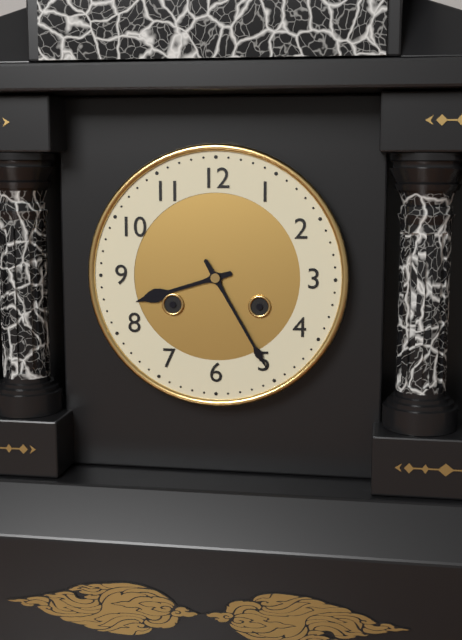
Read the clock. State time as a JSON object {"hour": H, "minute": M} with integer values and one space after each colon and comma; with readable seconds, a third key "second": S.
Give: {"hour": 8, "minute": 25}
